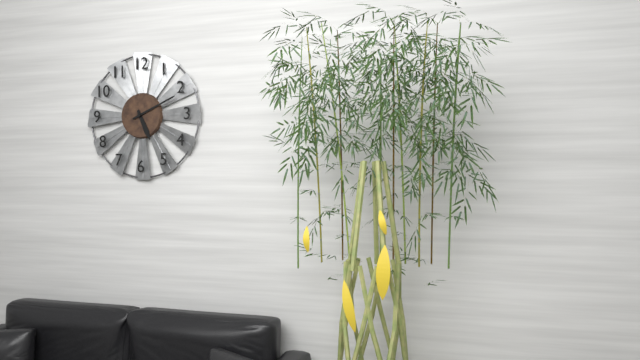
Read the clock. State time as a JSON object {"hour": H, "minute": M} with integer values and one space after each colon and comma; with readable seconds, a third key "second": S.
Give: {"hour": 5, "minute": 11}
